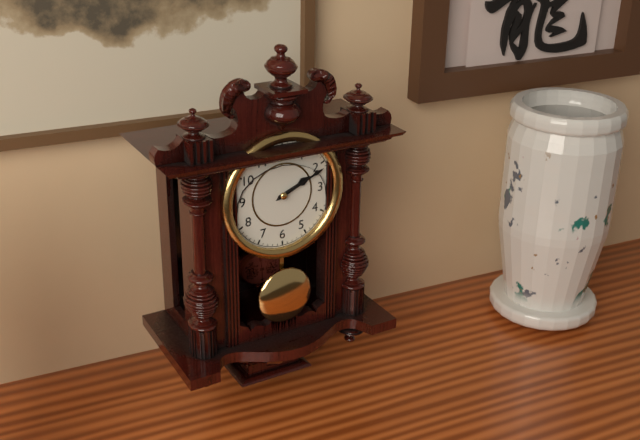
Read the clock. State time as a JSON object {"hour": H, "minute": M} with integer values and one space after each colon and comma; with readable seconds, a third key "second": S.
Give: {"hour": 2, "minute": 11}
